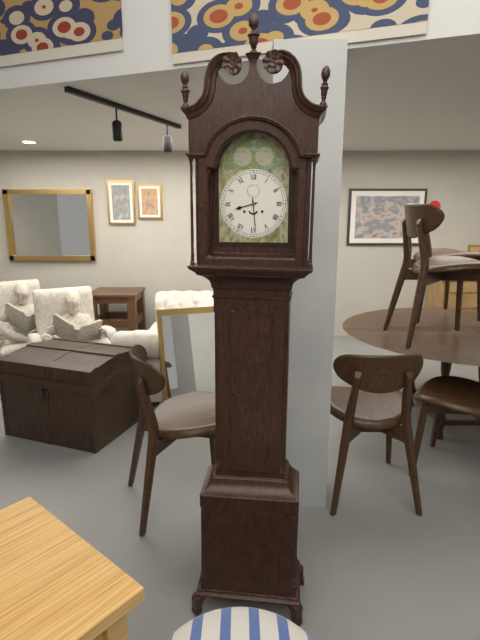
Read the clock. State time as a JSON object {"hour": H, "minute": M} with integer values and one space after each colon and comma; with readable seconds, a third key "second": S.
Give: {"hour": 8, "minute": 29}
